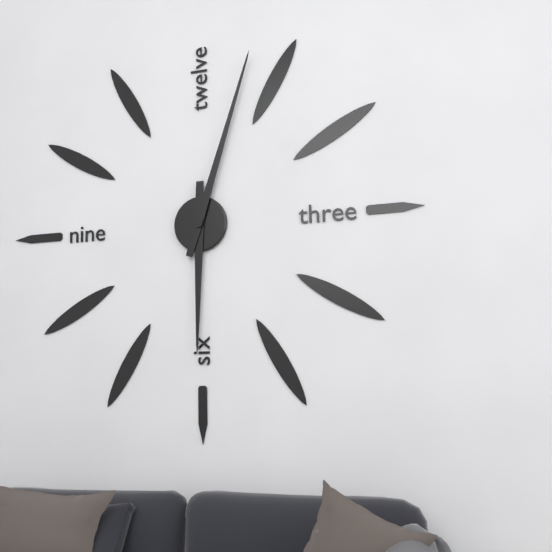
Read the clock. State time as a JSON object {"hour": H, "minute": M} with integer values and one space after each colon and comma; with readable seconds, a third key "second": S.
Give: {"hour": 6, "minute": 3}
